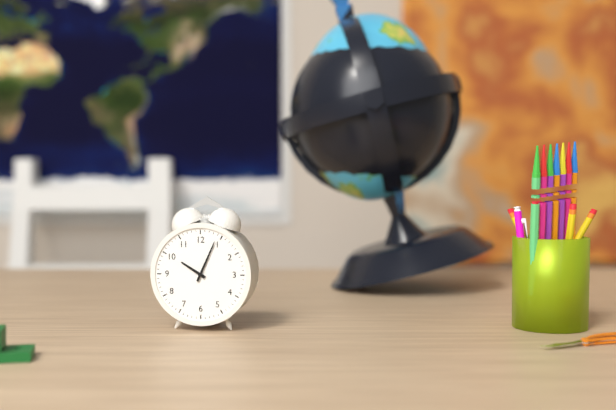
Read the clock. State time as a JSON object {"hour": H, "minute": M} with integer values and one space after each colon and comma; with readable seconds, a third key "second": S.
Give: {"hour": 10, "minute": 4}
